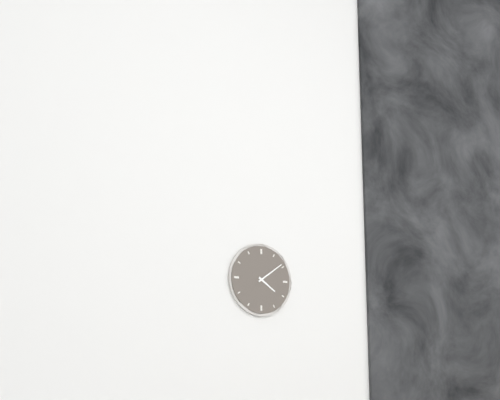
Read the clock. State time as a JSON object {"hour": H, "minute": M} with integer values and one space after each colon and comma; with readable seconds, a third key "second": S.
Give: {"hour": 4, "minute": 9}
